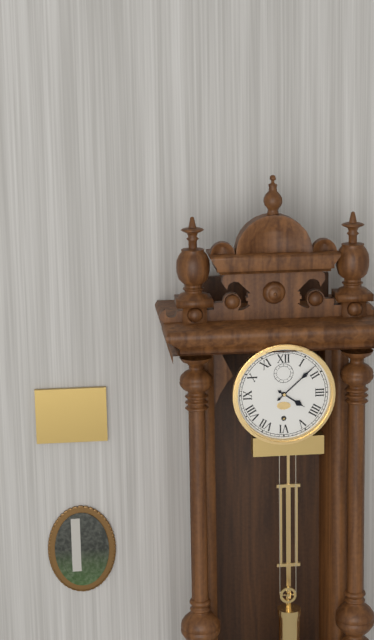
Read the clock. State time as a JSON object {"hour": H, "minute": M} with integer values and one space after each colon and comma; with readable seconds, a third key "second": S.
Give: {"hour": 4, "minute": 8}
